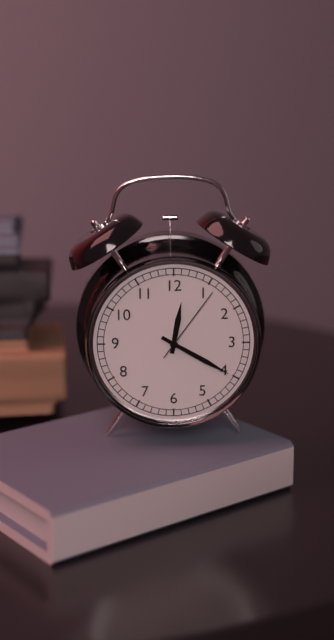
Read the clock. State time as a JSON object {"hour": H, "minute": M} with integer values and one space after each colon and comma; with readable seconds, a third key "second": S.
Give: {"hour": 12, "minute": 20, "second": 6}
